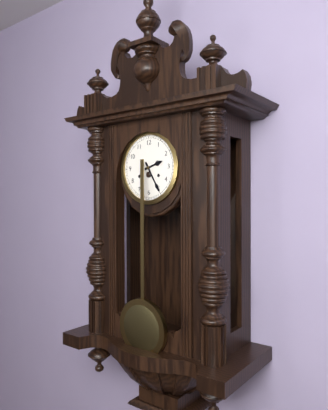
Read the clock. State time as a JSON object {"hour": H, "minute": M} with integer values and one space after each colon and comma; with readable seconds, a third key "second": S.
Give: {"hour": 2, "minute": 25}
